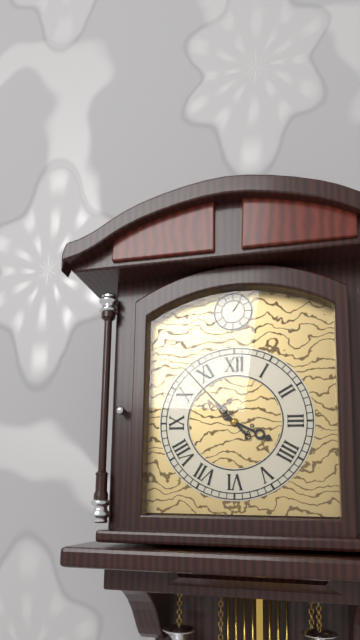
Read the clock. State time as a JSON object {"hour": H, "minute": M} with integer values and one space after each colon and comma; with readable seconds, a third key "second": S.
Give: {"hour": 3, "minute": 53}
